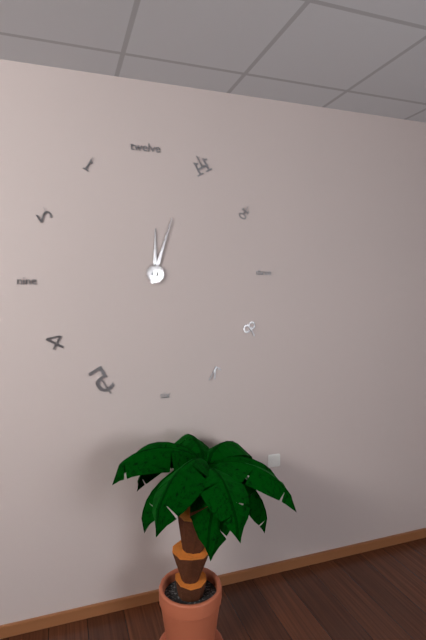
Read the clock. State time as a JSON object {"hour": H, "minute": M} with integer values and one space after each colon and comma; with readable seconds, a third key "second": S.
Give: {"hour": 12, "minute": 3}
